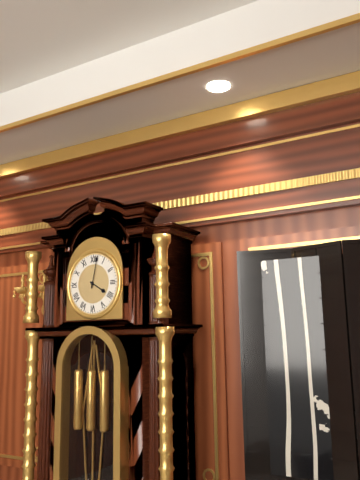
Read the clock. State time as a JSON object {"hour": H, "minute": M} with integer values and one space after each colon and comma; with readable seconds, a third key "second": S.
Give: {"hour": 4, "minute": 2}
